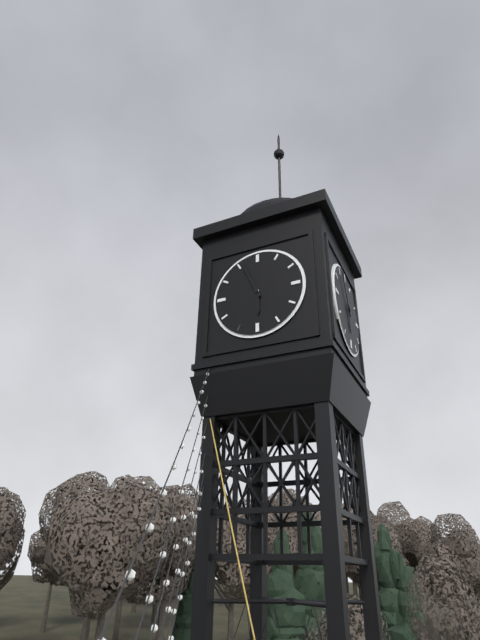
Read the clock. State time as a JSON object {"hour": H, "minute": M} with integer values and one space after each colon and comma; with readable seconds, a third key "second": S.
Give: {"hour": 5, "minute": 56}
